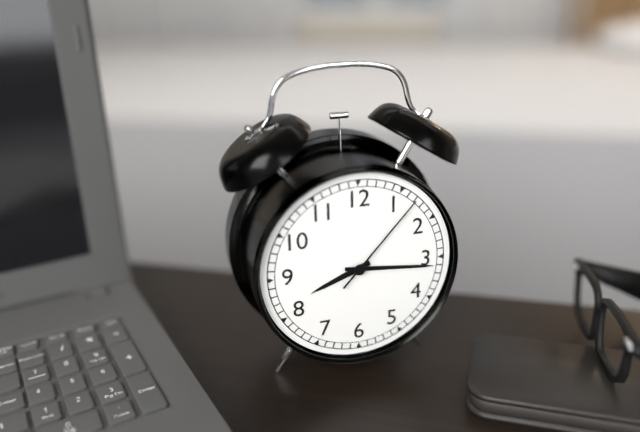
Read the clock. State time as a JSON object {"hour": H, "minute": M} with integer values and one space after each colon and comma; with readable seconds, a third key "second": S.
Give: {"hour": 8, "minute": 16, "second": 7}
